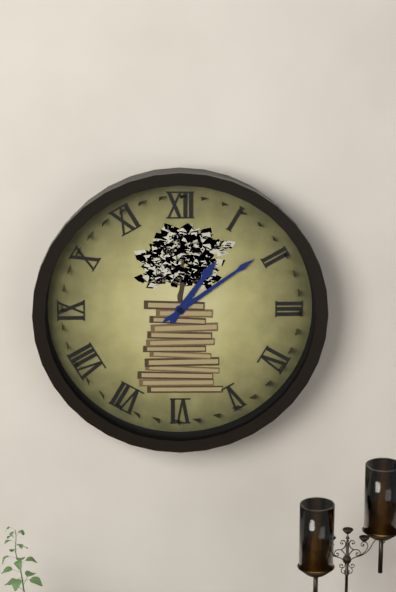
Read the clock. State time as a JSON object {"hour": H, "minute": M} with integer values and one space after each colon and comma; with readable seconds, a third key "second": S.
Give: {"hour": 1, "minute": 9}
